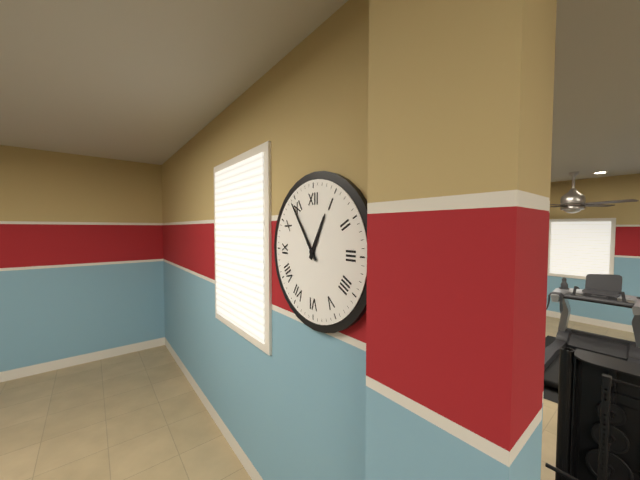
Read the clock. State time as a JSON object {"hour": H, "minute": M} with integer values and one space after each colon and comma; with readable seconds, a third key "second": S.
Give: {"hour": 12, "minute": 54}
